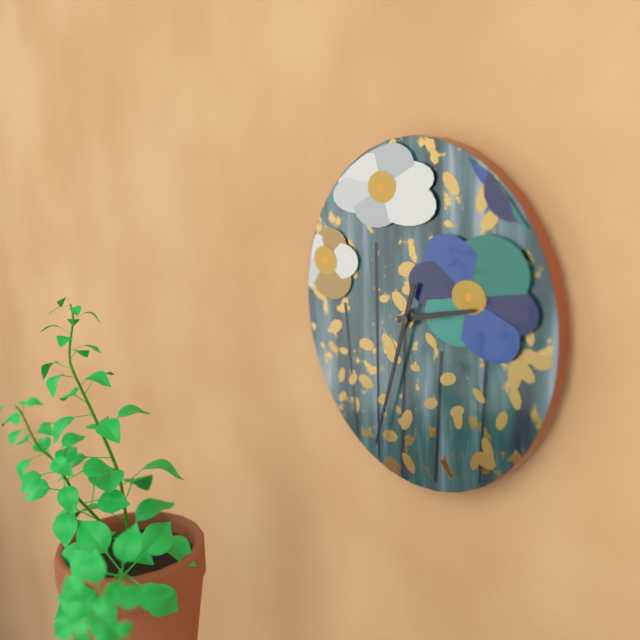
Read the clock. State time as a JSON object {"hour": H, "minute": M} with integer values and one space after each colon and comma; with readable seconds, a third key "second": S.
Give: {"hour": 2, "minute": 33}
